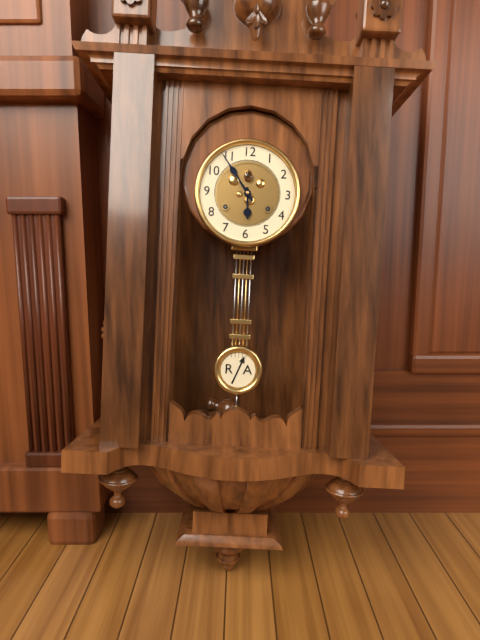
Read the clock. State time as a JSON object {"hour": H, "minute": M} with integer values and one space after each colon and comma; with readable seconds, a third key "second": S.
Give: {"hour": 5, "minute": 54}
